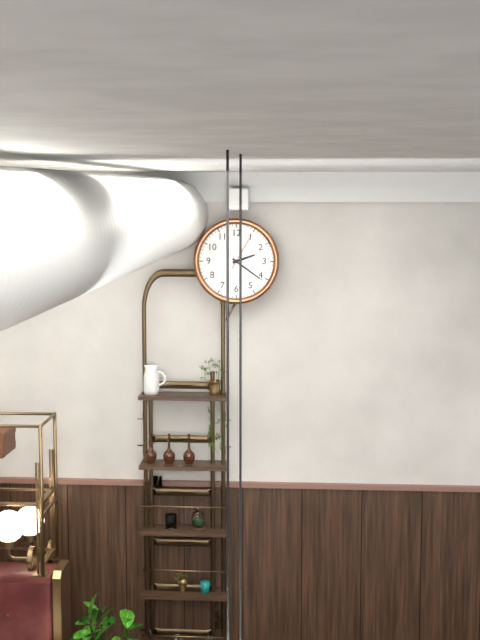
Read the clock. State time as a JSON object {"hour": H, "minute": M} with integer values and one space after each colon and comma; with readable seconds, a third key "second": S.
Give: {"hour": 2, "minute": 21}
